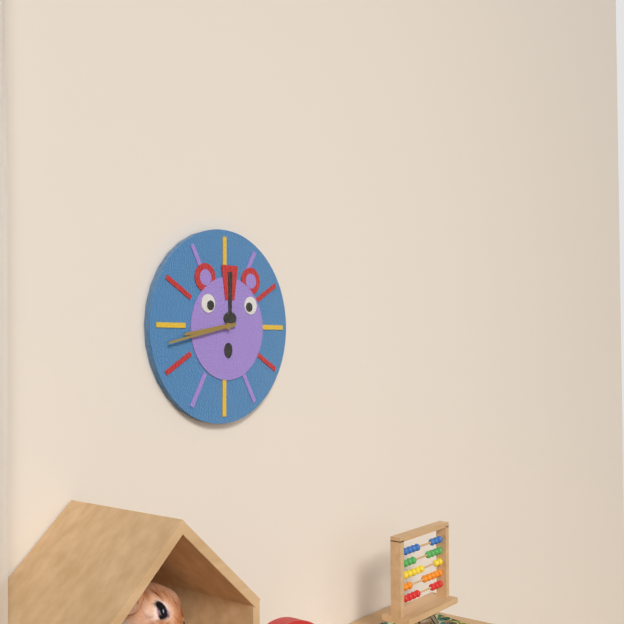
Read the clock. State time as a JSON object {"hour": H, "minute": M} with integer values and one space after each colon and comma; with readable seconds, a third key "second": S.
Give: {"hour": 8, "minute": 43}
